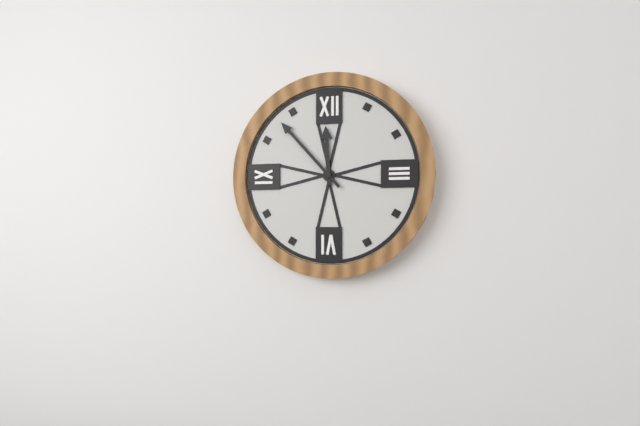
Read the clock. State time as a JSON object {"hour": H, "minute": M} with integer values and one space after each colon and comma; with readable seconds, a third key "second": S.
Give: {"hour": 11, "minute": 53}
